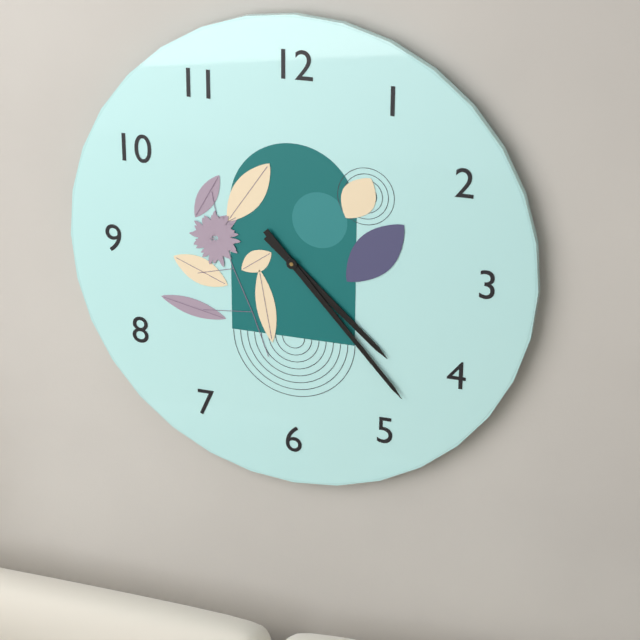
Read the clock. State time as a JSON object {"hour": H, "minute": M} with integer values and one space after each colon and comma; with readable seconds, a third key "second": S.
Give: {"hour": 4, "minute": 23}
